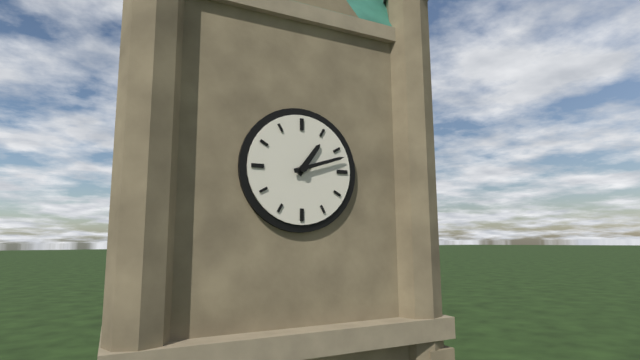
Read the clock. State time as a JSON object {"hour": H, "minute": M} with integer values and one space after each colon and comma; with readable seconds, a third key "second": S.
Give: {"hour": 1, "minute": 12}
